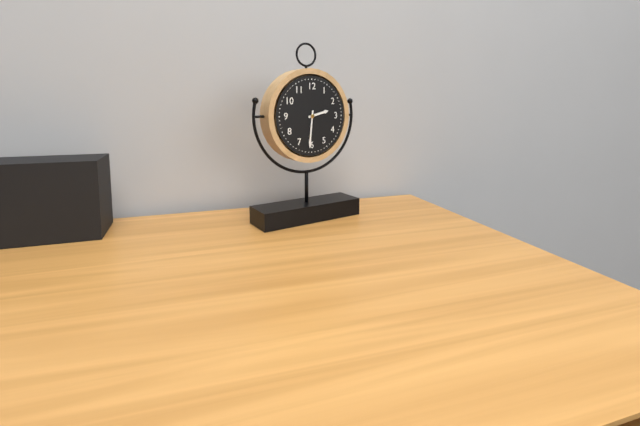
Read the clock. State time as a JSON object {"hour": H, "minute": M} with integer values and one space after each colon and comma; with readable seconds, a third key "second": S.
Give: {"hour": 2, "minute": 31}
